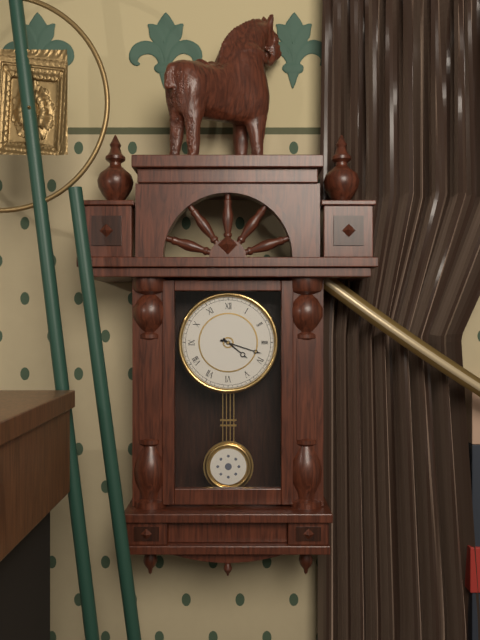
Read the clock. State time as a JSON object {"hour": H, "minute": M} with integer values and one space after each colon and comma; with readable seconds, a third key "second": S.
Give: {"hour": 4, "minute": 18}
